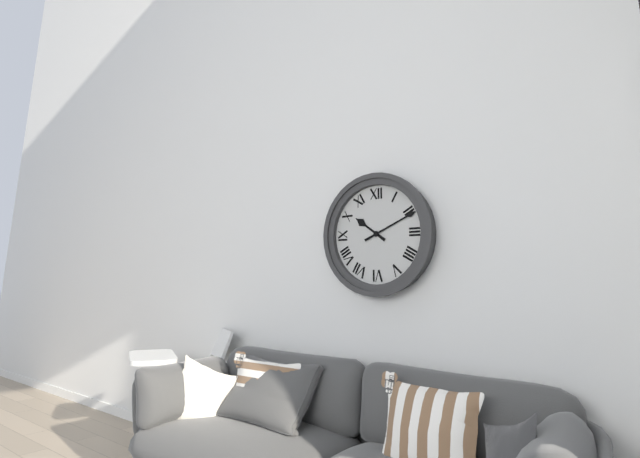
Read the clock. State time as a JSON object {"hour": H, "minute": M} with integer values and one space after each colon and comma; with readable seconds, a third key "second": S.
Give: {"hour": 10, "minute": 11}
